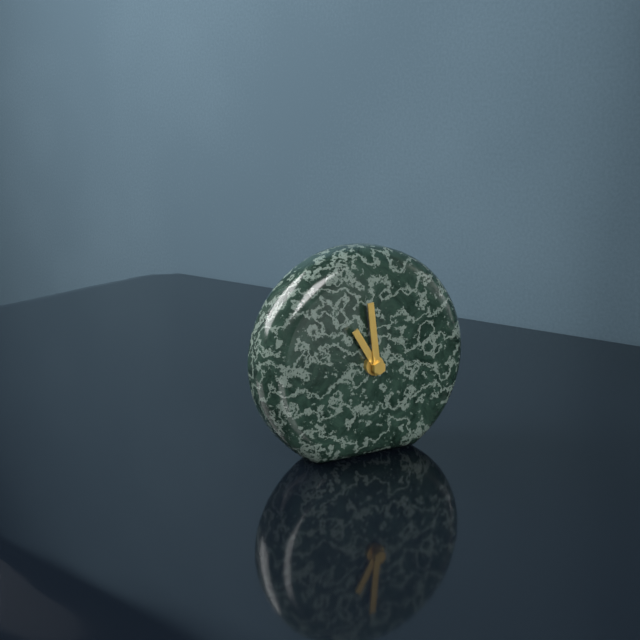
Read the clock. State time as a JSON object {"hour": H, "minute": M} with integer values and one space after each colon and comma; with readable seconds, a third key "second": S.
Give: {"hour": 10, "minute": 59}
